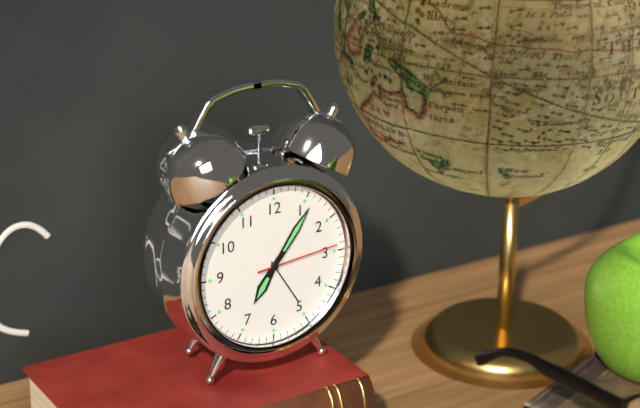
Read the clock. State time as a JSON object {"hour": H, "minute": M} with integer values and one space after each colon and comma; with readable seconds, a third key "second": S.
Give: {"hour": 7, "minute": 6, "second": 14}
